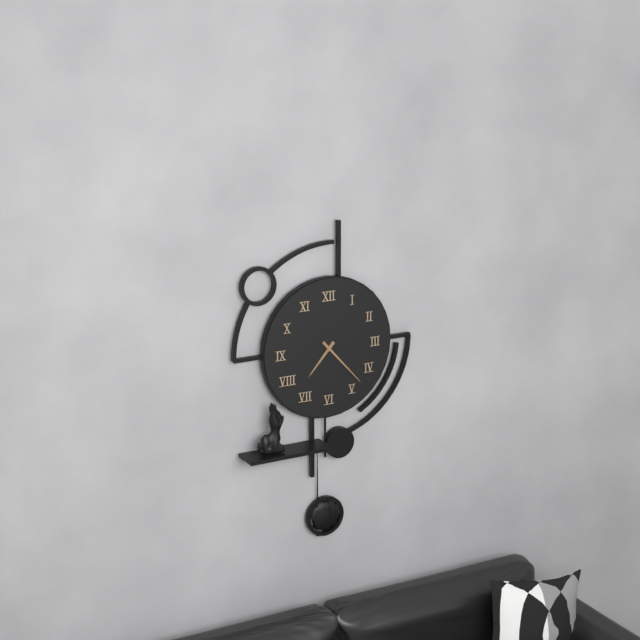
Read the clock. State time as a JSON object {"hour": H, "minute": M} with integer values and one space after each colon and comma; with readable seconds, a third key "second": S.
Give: {"hour": 7, "minute": 23}
